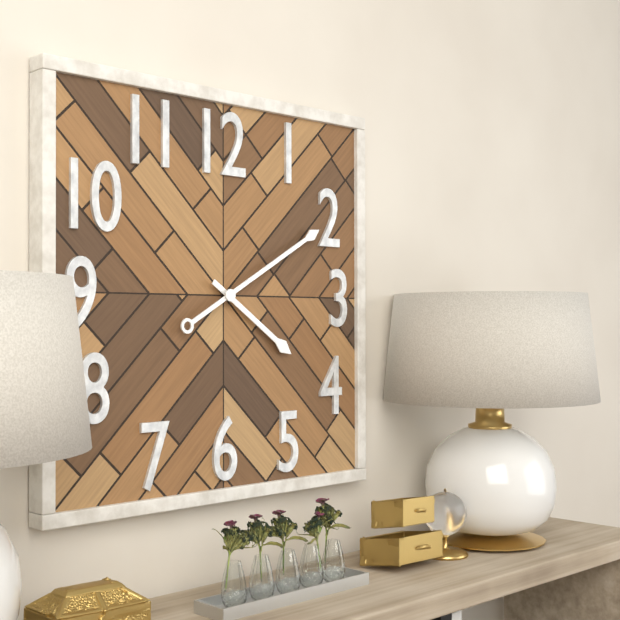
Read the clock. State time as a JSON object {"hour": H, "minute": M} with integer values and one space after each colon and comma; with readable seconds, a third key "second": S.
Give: {"hour": 4, "minute": 10}
